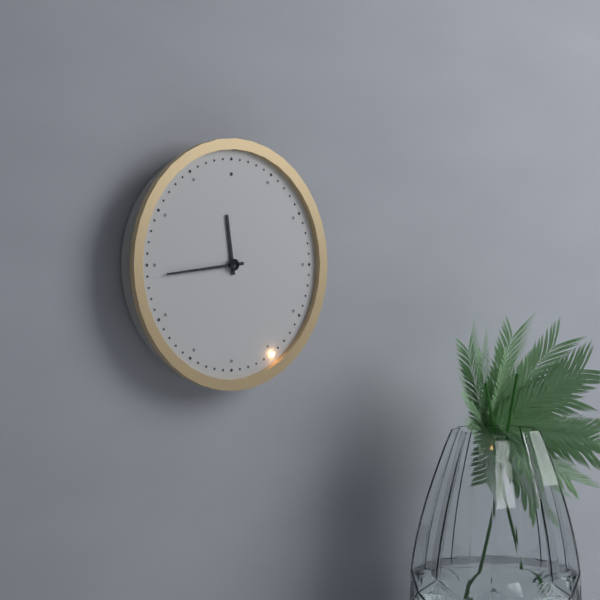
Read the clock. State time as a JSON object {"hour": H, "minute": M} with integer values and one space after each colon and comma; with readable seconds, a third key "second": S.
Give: {"hour": 11, "minute": 44}
